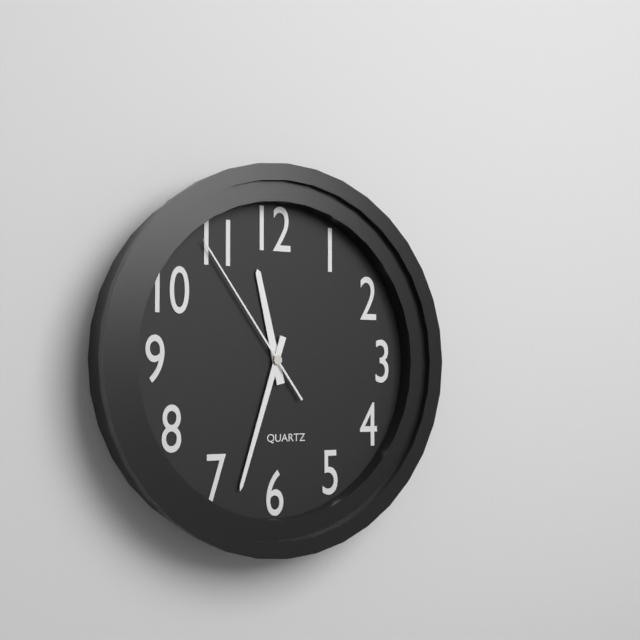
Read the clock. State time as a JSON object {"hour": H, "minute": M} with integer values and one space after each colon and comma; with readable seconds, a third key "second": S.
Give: {"hour": 11, "minute": 33, "second": 54}
